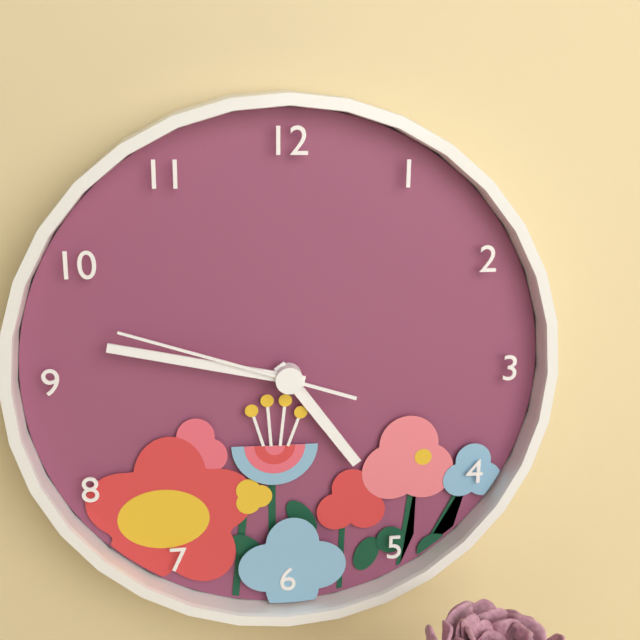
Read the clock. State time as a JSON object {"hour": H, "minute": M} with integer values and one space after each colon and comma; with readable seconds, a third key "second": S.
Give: {"hour": 4, "minute": 47, "second": 48}
